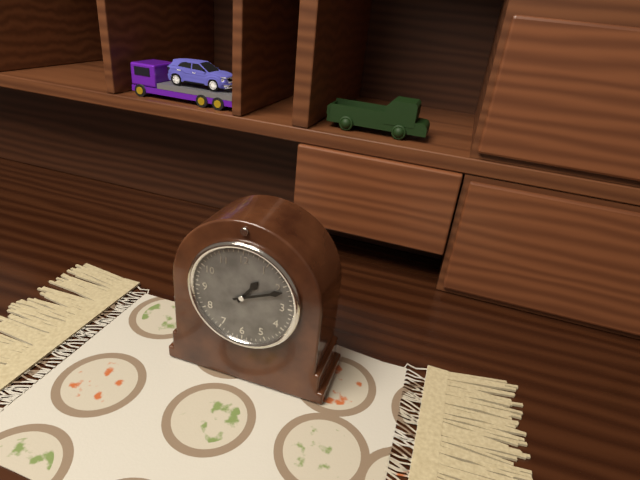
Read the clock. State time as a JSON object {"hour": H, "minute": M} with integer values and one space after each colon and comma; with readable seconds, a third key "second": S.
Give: {"hour": 1, "minute": 11}
